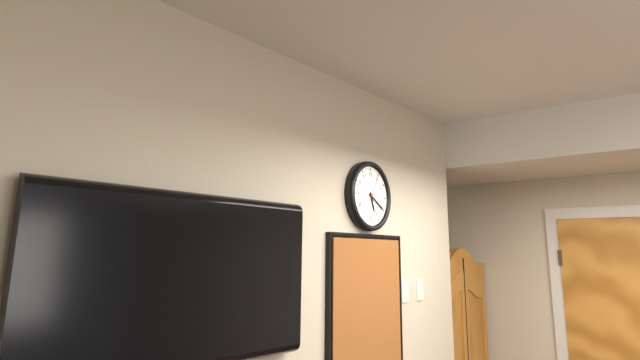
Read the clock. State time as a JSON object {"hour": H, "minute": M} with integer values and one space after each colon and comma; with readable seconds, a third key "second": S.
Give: {"hour": 5, "minute": 20}
